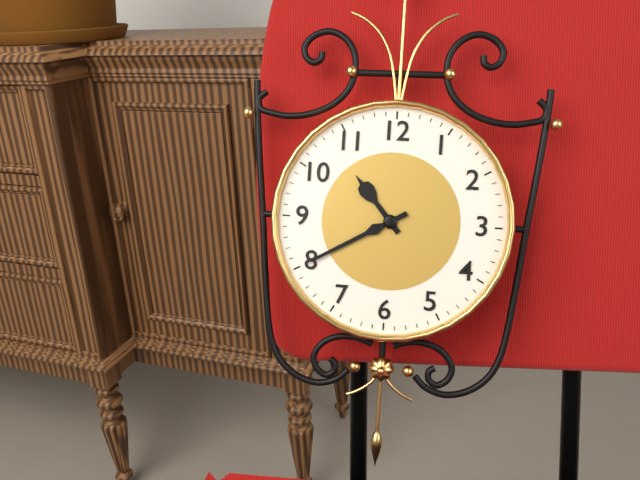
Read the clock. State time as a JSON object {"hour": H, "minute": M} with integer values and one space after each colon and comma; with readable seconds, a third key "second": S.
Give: {"hour": 10, "minute": 40}
